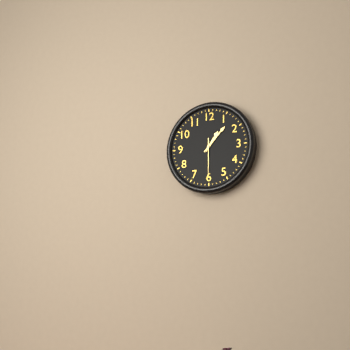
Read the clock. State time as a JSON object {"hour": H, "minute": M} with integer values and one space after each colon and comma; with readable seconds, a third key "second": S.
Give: {"hour": 1, "minute": 7}
